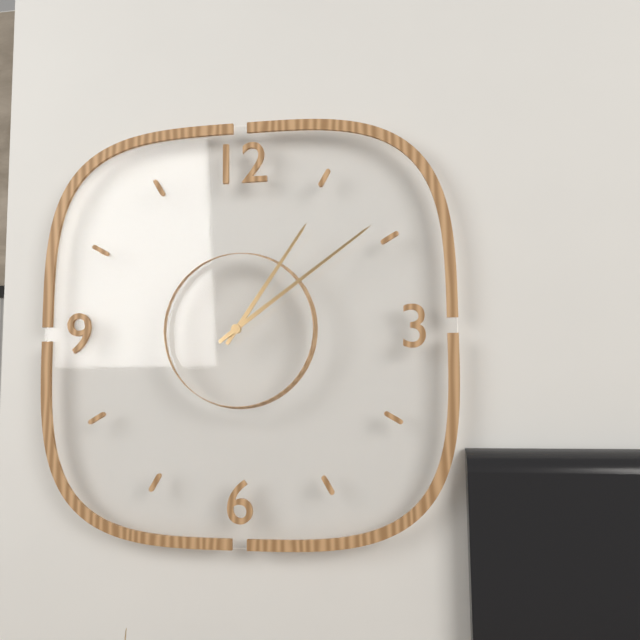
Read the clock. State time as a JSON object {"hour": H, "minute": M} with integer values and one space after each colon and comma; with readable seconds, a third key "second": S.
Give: {"hour": 1, "minute": 9}
